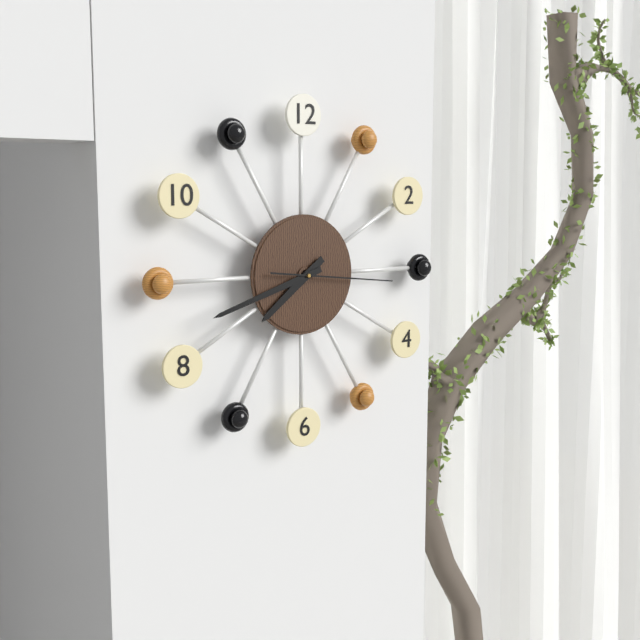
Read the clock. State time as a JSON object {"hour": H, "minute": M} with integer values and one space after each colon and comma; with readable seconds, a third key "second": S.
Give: {"hour": 7, "minute": 42, "second": 16}
